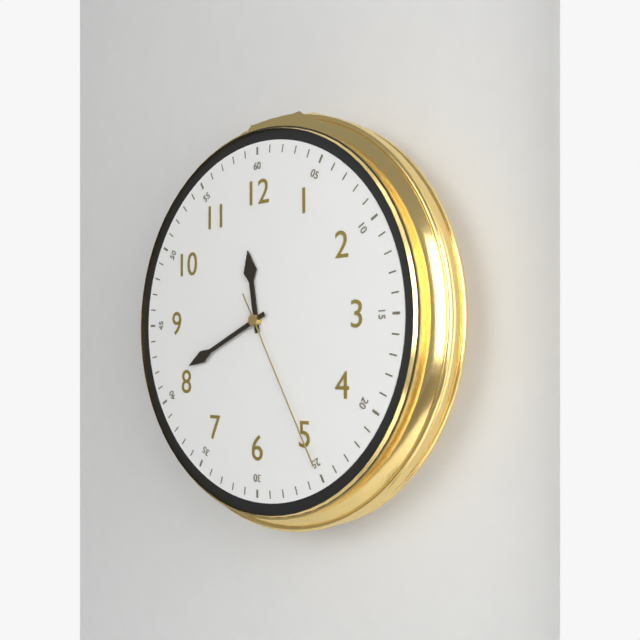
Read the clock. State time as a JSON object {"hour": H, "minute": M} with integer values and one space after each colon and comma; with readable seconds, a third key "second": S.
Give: {"hour": 11, "minute": 41, "second": 25}
